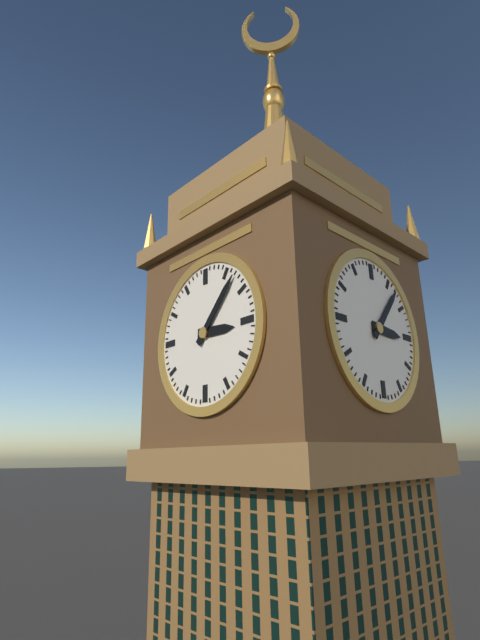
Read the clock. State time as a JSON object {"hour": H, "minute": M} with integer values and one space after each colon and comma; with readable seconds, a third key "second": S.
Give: {"hour": 3, "minute": 7}
